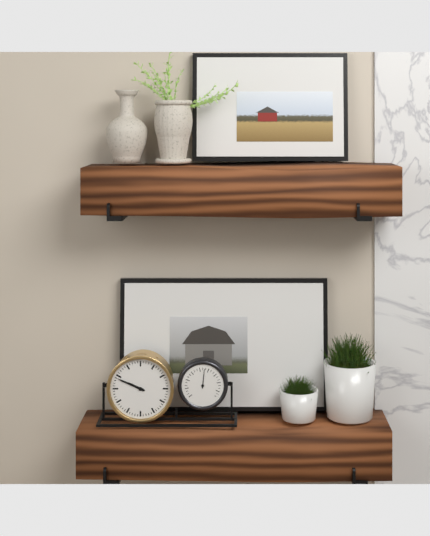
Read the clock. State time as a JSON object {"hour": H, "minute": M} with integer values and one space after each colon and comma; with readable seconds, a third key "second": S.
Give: {"hour": 9, "minute": 49}
